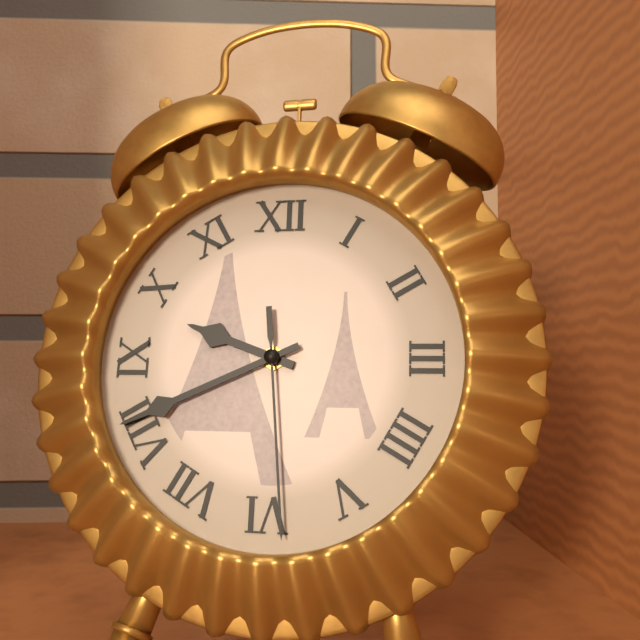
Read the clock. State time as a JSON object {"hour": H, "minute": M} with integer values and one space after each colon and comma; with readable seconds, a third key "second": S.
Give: {"hour": 9, "minute": 41, "second": 29}
